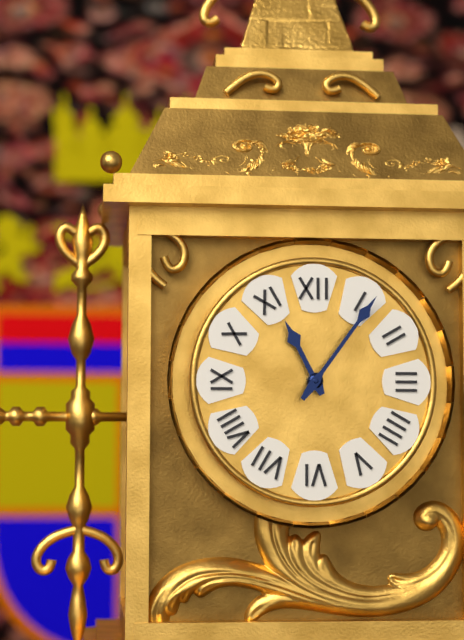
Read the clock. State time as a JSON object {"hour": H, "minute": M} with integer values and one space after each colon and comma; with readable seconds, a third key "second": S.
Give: {"hour": 11, "minute": 6}
